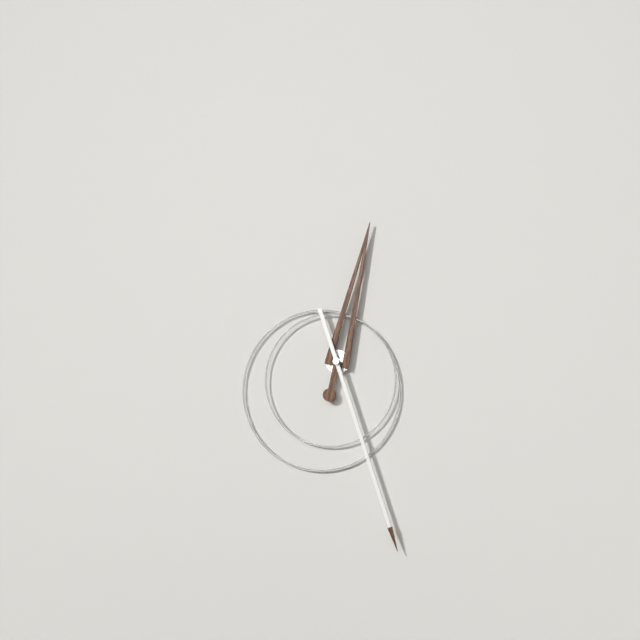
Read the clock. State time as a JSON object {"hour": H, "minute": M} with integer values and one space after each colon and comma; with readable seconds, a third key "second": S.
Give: {"hour": 12, "minute": 27}
